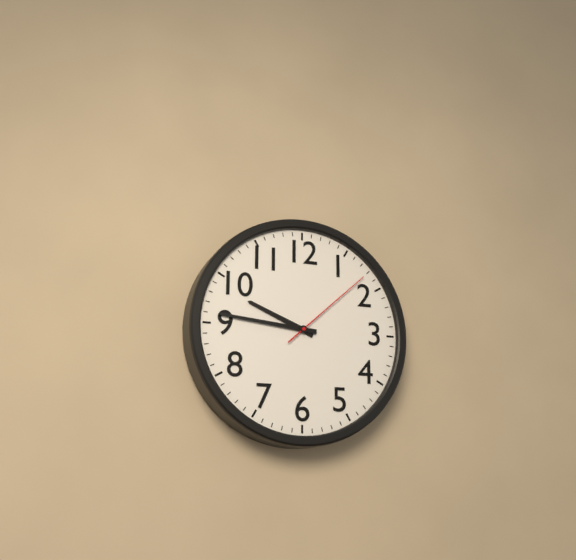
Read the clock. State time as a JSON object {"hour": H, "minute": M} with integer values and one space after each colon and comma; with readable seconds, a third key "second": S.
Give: {"hour": 9, "minute": 46, "second": 8}
